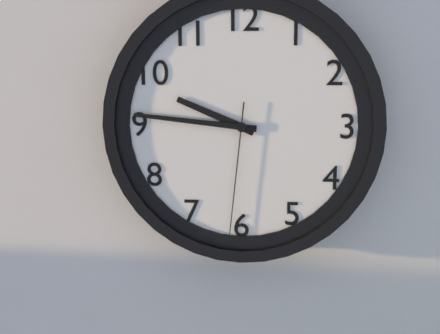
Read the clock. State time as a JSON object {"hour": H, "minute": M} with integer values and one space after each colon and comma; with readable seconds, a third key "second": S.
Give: {"hour": 9, "minute": 46, "second": 31}
